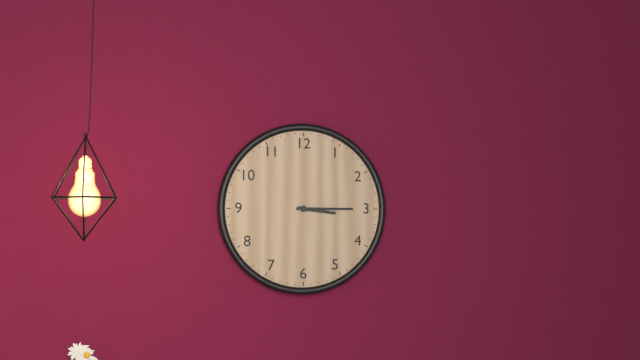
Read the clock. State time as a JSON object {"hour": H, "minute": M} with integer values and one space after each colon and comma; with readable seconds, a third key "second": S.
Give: {"hour": 3, "minute": 15}
